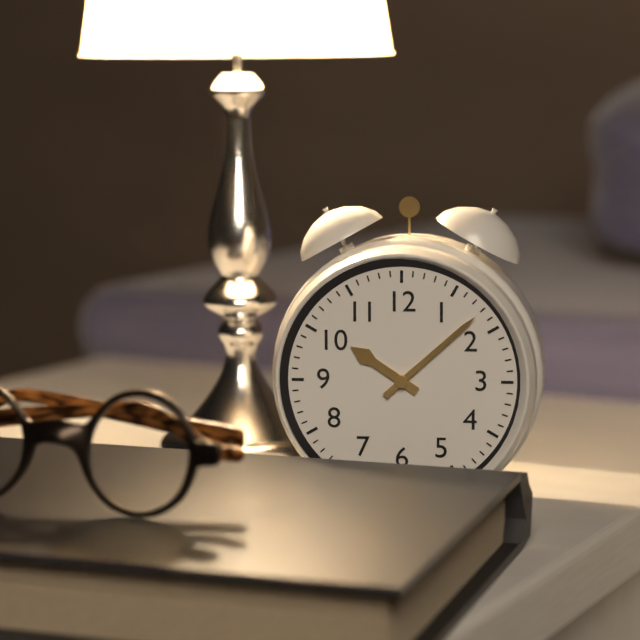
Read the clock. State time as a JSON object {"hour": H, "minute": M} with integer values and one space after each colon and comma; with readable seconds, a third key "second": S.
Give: {"hour": 10, "minute": 8}
